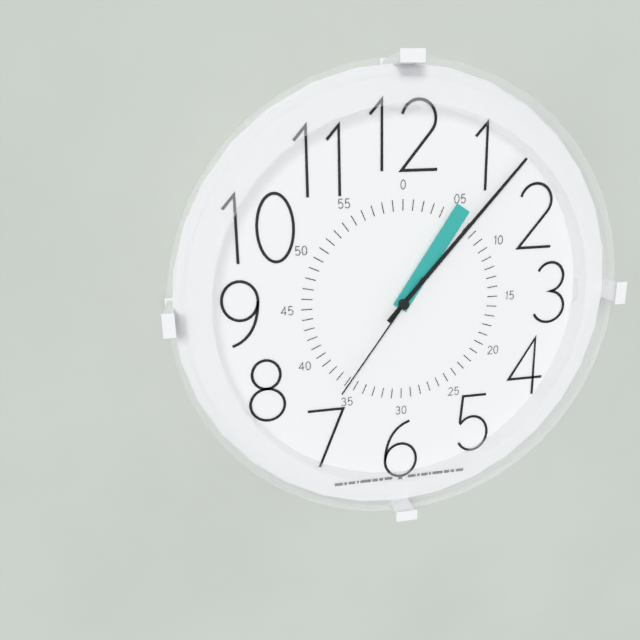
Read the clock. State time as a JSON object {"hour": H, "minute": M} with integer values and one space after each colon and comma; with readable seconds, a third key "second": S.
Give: {"hour": 1, "minute": 7, "second": 36}
